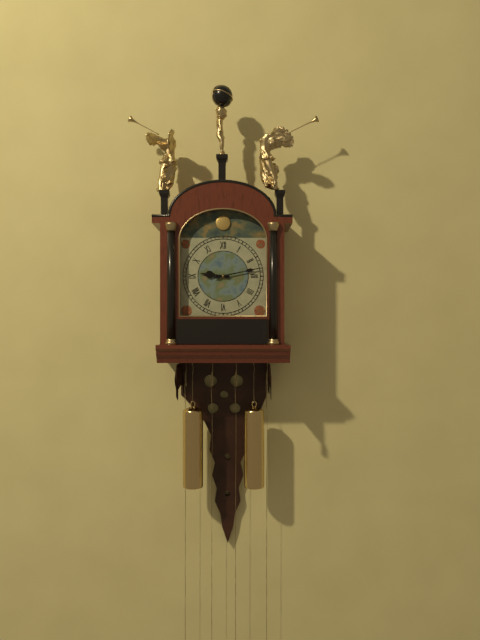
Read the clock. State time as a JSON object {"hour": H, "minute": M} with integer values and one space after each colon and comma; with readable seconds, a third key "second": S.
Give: {"hour": 9, "minute": 13}
